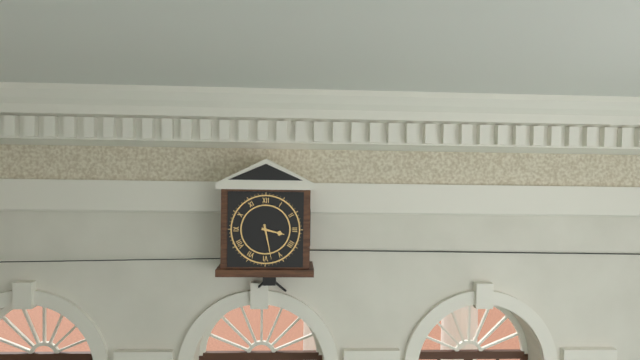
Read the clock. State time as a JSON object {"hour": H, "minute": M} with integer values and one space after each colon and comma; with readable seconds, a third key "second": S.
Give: {"hour": 3, "minute": 28}
